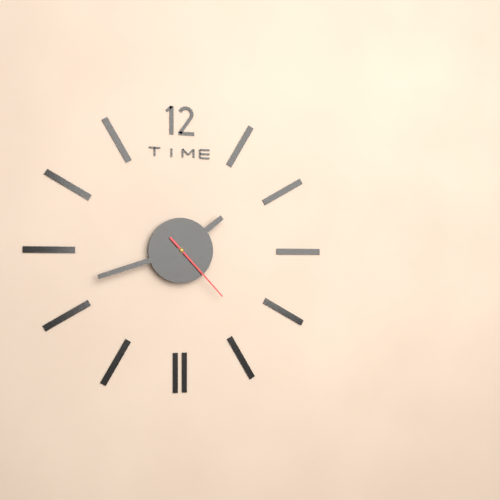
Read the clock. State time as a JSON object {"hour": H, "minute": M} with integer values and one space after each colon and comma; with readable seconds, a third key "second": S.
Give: {"hour": 1, "minute": 42, "second": 23}
